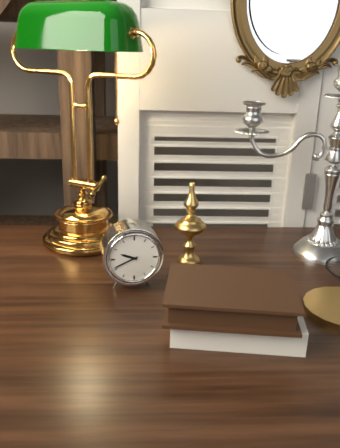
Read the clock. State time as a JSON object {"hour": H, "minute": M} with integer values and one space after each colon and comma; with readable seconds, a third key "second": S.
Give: {"hour": 9, "minute": 41}
